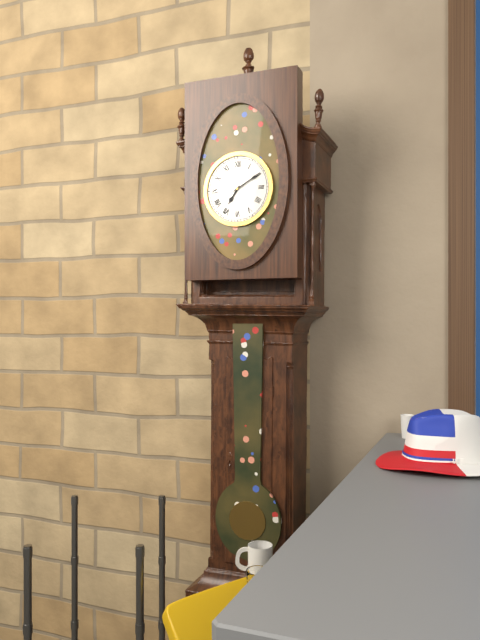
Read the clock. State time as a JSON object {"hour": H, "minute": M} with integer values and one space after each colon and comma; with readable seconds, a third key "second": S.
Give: {"hour": 7, "minute": 10}
